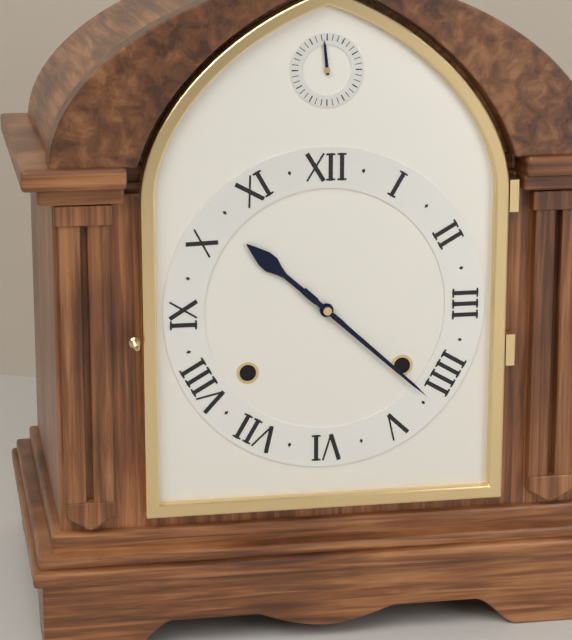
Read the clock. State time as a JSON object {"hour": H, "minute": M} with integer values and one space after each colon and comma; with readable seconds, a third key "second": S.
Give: {"hour": 10, "minute": 22}
